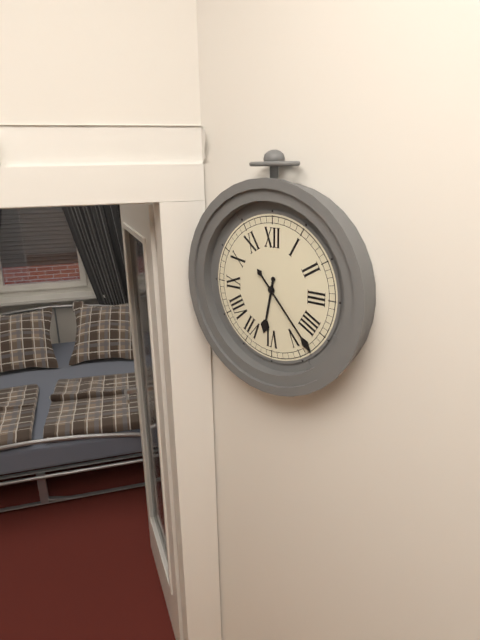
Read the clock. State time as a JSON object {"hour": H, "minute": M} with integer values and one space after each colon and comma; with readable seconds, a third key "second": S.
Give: {"hour": 6, "minute": 23}
